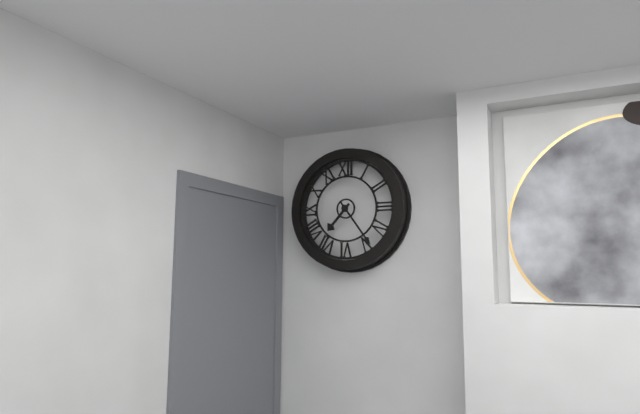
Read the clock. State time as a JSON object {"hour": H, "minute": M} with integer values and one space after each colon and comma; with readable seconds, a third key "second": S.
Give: {"hour": 7, "minute": 24}
